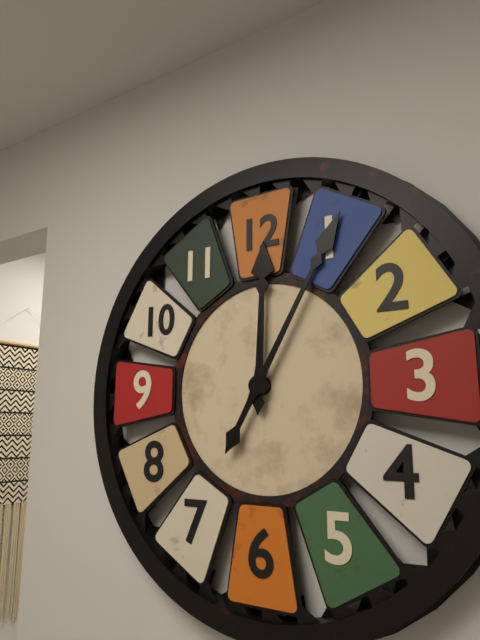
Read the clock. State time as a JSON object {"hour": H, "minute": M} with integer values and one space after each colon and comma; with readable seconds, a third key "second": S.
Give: {"hour": 12, "minute": 5}
